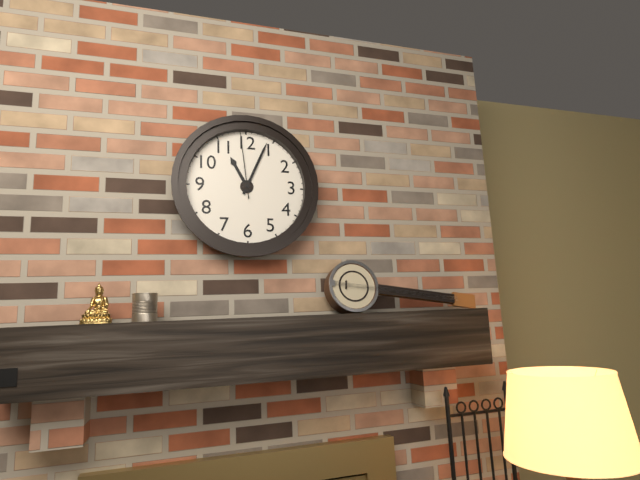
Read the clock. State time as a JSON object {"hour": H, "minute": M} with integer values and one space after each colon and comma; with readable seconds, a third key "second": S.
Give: {"hour": 11, "minute": 4, "second": 59}
